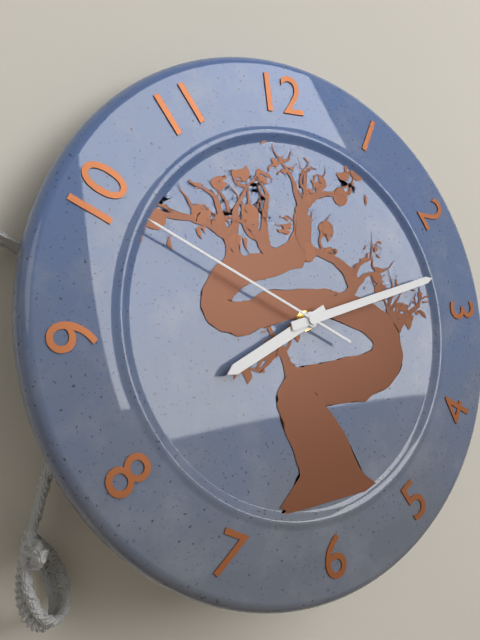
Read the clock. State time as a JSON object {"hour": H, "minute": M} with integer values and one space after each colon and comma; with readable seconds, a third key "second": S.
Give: {"hour": 8, "minute": 13, "second": 50}
